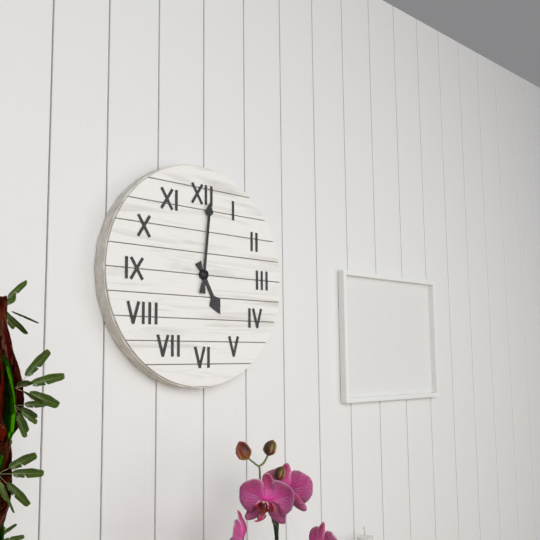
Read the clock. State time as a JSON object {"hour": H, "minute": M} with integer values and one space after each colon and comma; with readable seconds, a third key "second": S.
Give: {"hour": 5, "minute": 1}
